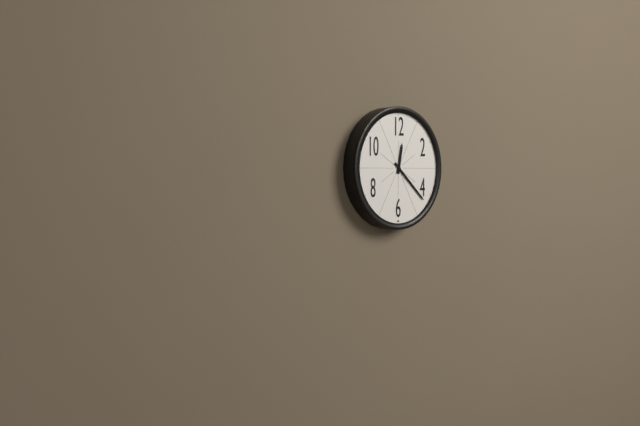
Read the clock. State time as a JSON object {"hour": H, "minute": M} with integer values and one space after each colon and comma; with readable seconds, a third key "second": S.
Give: {"hour": 12, "minute": 22}
